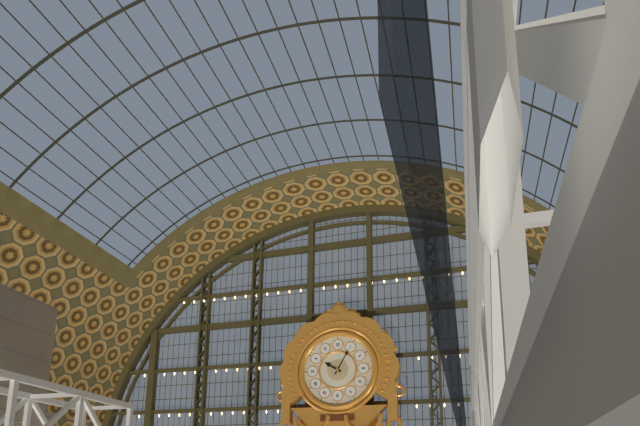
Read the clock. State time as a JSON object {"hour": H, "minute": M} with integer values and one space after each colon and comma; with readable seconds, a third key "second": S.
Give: {"hour": 10, "minute": 5}
